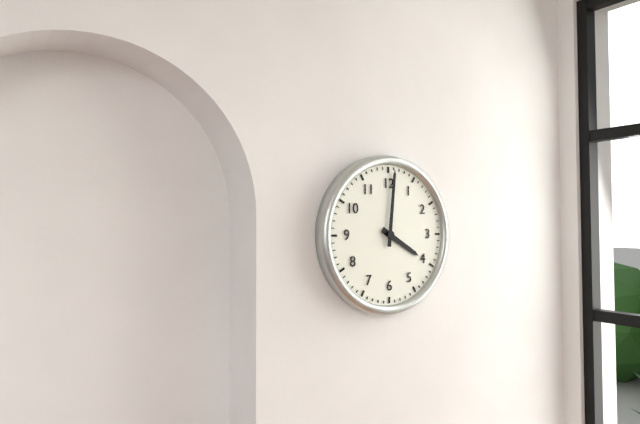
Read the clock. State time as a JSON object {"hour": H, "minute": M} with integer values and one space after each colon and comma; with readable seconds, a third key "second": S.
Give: {"hour": 4, "minute": 1}
